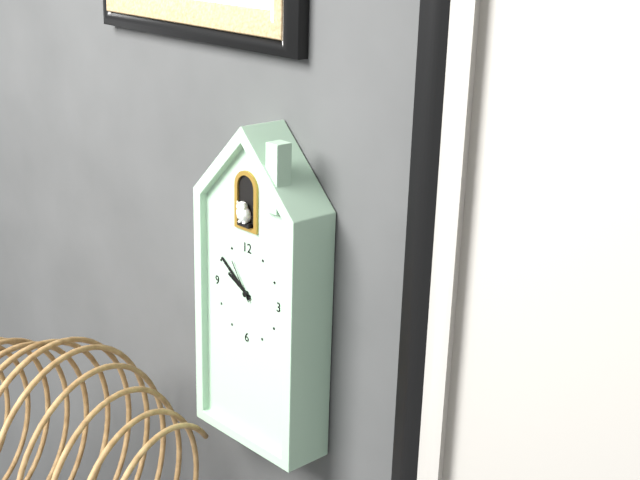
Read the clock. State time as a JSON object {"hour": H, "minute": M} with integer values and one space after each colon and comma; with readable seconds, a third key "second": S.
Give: {"hour": 9, "minute": 51}
